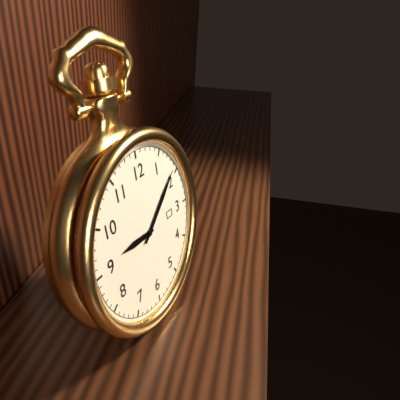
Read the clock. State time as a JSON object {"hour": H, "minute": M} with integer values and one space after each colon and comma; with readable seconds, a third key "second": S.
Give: {"hour": 9, "minute": 9}
